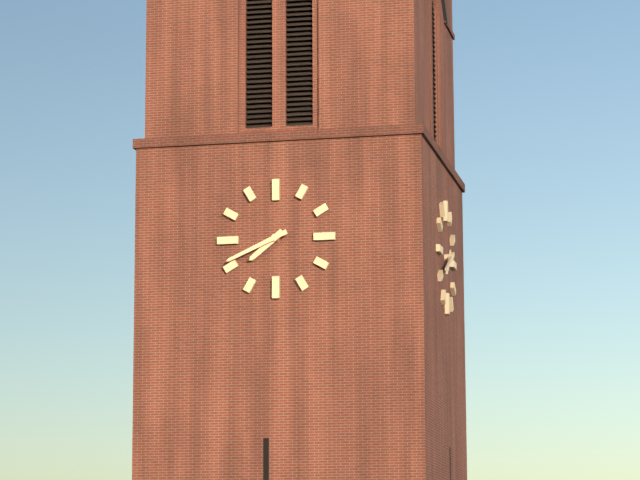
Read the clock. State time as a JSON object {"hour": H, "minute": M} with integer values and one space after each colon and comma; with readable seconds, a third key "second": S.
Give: {"hour": 7, "minute": 41}
